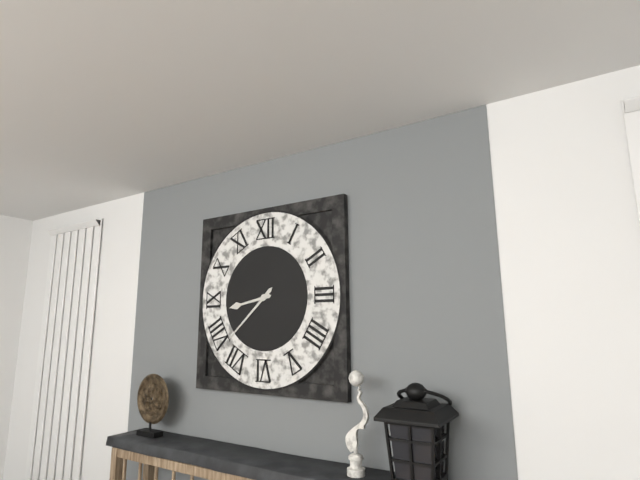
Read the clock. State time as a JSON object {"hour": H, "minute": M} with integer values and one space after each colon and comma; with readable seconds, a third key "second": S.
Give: {"hour": 8, "minute": 38}
